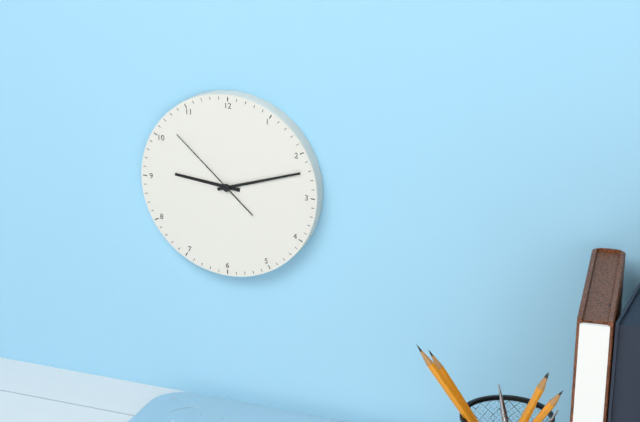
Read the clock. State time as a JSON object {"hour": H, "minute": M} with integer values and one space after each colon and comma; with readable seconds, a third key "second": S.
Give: {"hour": 9, "minute": 12, "second": 52}
